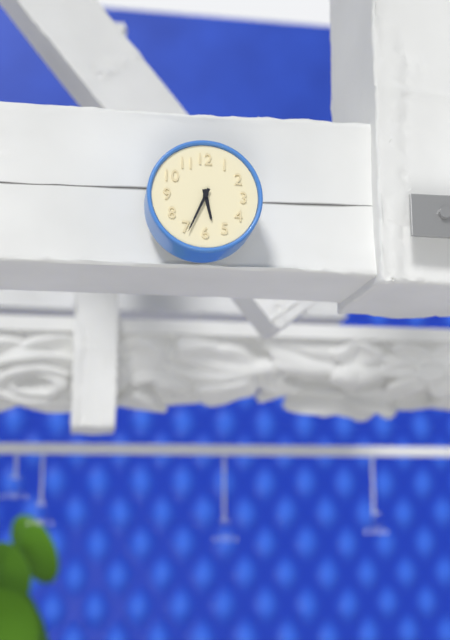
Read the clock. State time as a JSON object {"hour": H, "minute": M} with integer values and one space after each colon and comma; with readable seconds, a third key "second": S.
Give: {"hour": 5, "minute": 34}
